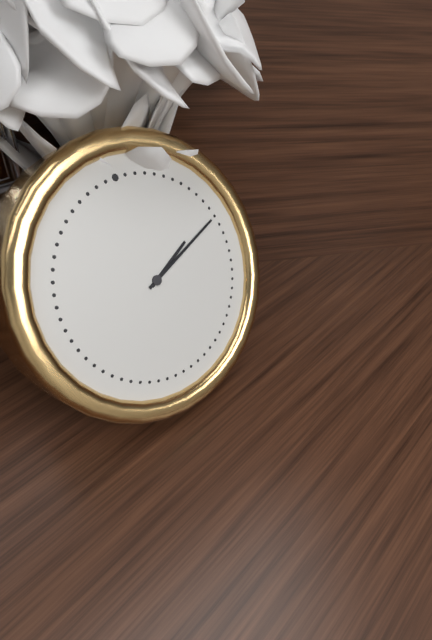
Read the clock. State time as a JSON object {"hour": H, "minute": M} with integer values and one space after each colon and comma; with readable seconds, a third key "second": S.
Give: {"hour": 2, "minute": 12}
